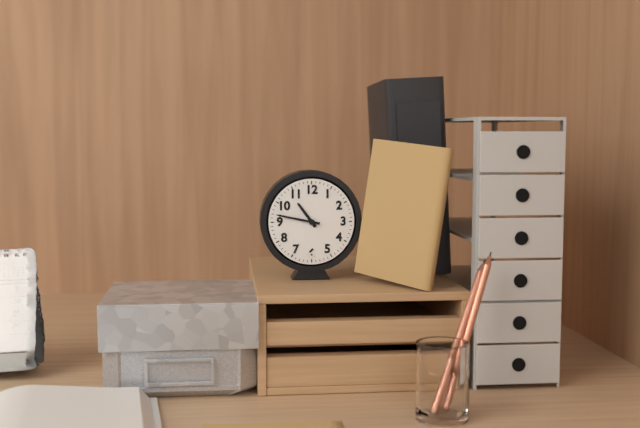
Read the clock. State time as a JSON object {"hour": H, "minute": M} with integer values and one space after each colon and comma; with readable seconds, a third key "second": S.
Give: {"hour": 10, "minute": 47}
